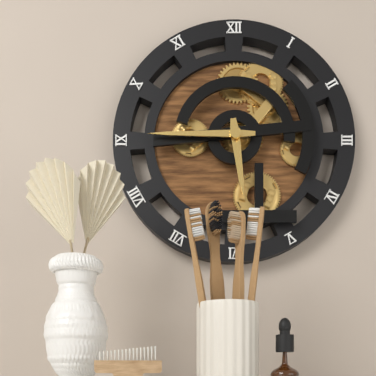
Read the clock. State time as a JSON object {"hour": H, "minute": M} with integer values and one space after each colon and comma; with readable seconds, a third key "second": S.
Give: {"hour": 5, "minute": 45}
